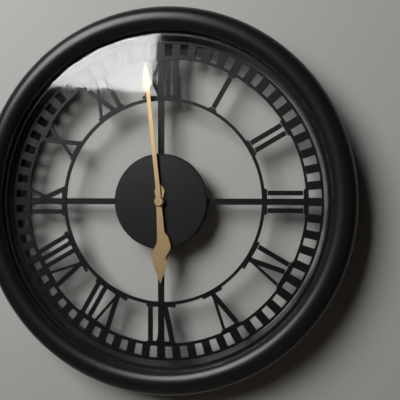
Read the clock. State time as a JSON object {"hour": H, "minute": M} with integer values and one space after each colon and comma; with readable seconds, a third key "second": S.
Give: {"hour": 5, "minute": 59}
